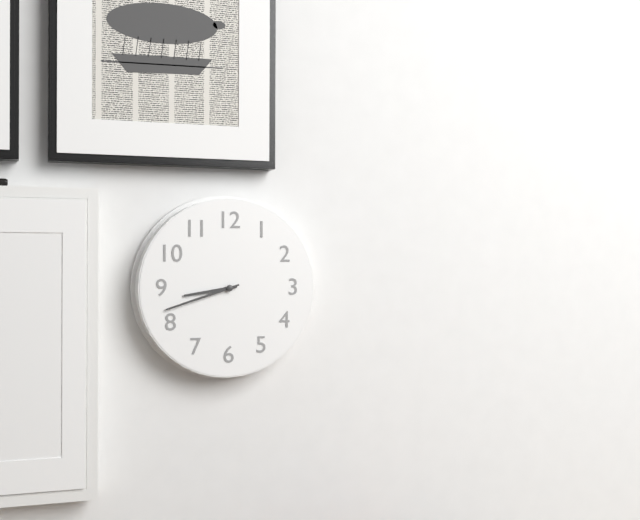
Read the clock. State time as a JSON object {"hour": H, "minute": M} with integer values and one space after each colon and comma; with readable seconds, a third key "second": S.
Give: {"hour": 8, "minute": 42}
